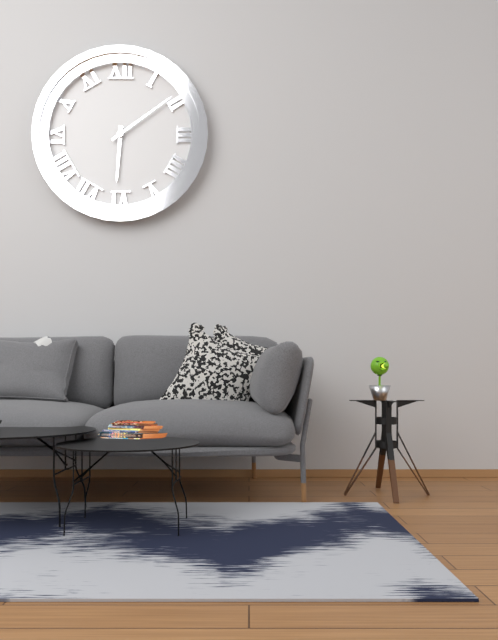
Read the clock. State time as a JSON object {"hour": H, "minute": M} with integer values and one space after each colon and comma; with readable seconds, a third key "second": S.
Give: {"hour": 6, "minute": 9}
